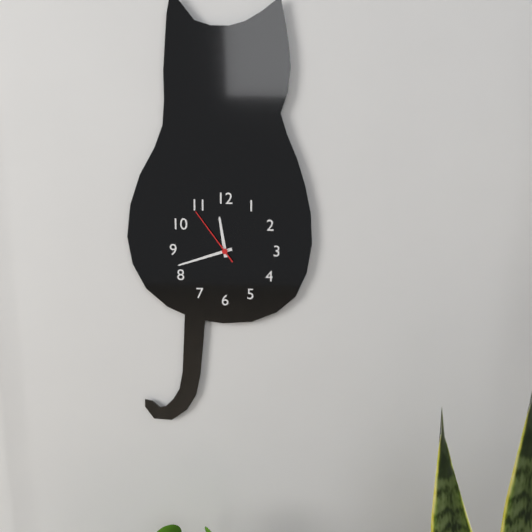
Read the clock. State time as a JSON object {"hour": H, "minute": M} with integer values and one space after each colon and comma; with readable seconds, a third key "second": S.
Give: {"hour": 11, "minute": 42, "second": 54}
